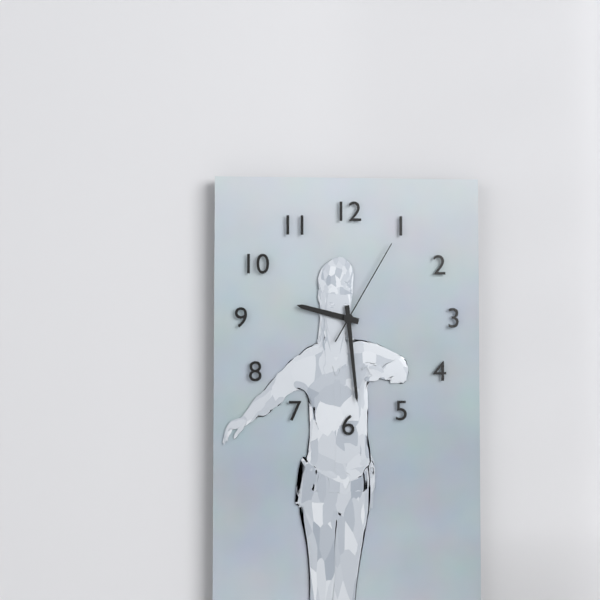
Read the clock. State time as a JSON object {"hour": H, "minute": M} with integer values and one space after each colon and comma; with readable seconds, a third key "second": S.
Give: {"hour": 9, "minute": 29, "second": 5}
